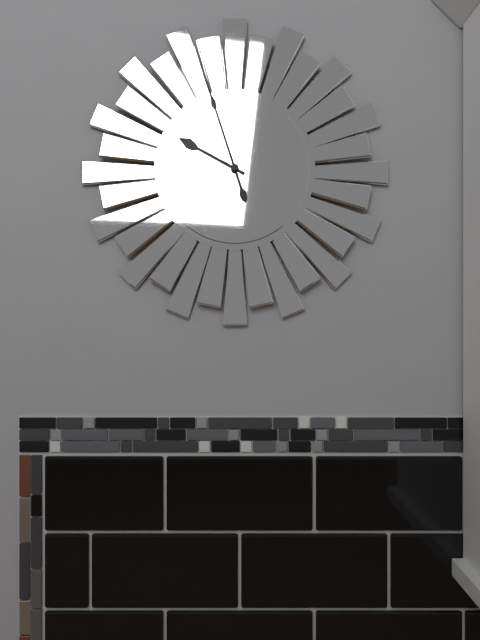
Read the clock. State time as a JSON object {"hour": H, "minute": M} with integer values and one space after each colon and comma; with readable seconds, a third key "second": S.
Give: {"hour": 9, "minute": 57}
